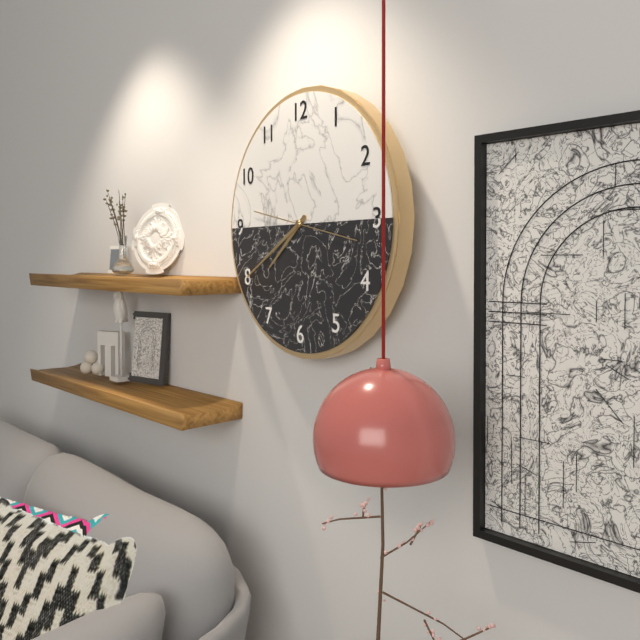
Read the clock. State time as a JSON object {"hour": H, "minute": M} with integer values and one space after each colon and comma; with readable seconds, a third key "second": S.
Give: {"hour": 7, "minute": 40, "second": 17}
